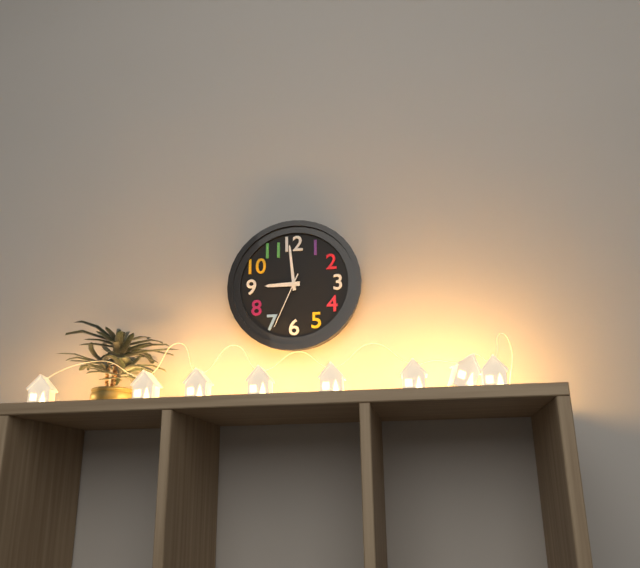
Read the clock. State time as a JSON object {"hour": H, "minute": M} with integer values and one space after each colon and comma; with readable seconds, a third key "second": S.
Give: {"hour": 8, "minute": 59, "second": 34}
